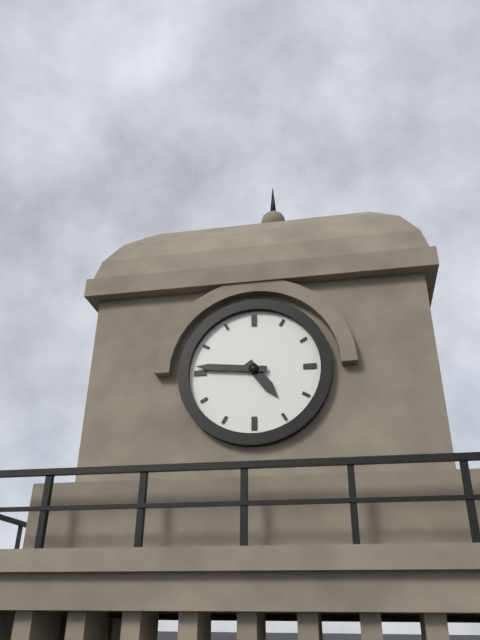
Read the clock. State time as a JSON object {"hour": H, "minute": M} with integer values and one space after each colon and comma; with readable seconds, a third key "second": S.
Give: {"hour": 4, "minute": 46}
